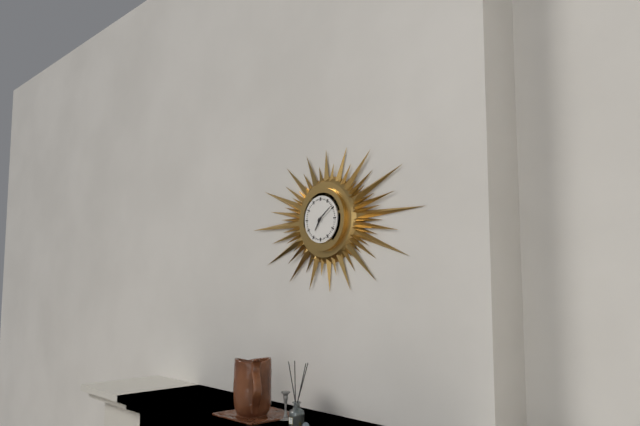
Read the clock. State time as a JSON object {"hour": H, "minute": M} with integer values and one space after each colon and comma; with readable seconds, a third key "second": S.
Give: {"hour": 7, "minute": 9}
